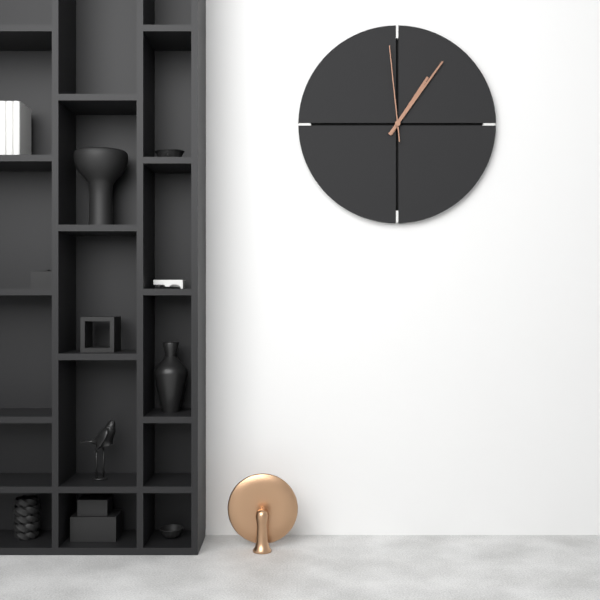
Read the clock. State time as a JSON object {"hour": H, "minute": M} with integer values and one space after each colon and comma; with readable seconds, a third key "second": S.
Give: {"hour": 1, "minute": 6, "second": 59}
